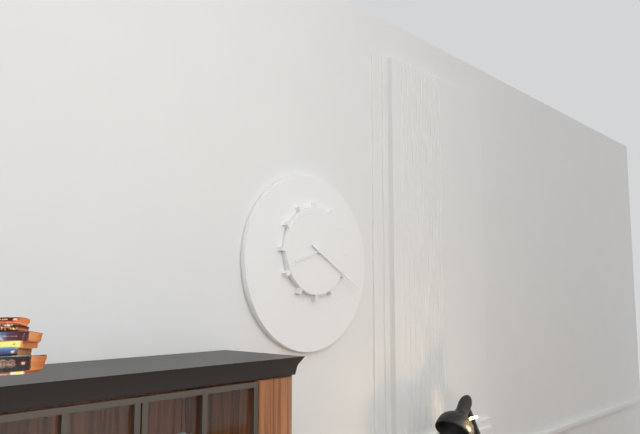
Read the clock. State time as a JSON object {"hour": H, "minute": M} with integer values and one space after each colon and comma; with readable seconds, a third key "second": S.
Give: {"hour": 8, "minute": 20}
